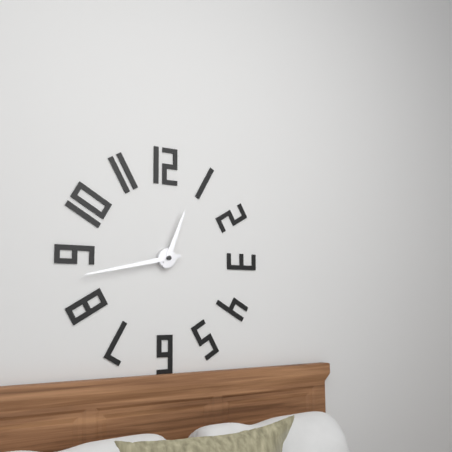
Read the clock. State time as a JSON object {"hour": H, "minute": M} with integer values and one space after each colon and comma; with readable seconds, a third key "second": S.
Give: {"hour": 12, "minute": 43}
